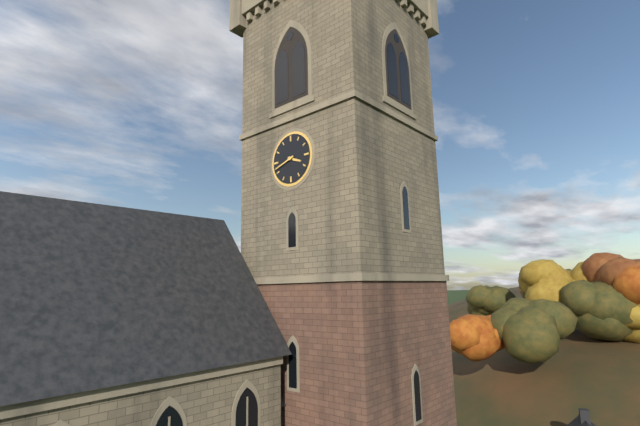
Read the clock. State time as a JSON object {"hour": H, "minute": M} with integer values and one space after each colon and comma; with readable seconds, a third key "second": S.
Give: {"hour": 3, "minute": 42}
